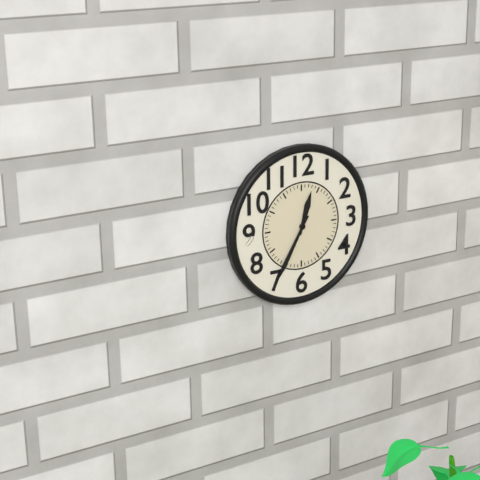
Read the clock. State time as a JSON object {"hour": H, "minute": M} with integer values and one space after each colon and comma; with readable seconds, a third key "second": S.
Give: {"hour": 12, "minute": 35}
